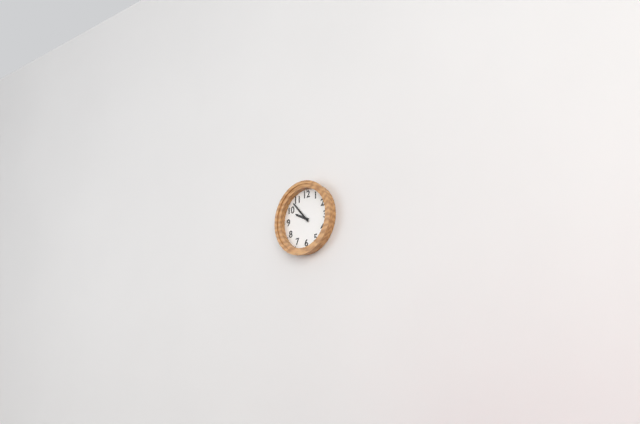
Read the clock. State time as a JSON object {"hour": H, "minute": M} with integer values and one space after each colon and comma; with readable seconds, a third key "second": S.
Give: {"hour": 9, "minute": 53}
